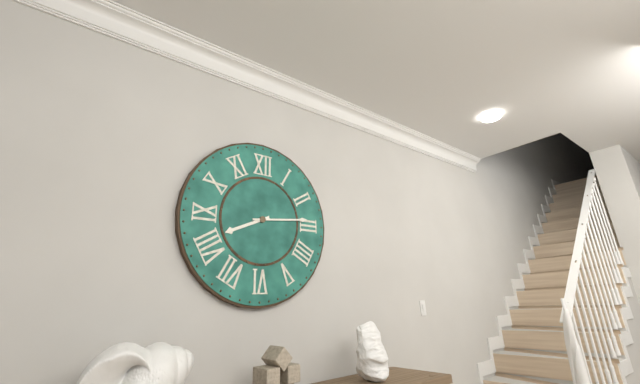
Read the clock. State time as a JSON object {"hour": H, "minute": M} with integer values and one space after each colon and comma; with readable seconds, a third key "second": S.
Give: {"hour": 8, "minute": 14}
